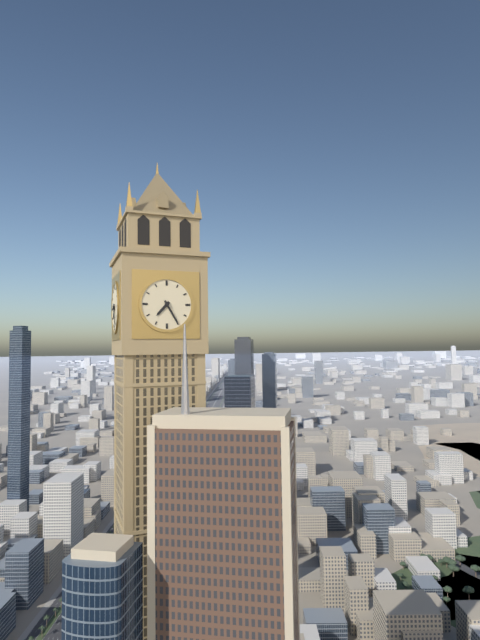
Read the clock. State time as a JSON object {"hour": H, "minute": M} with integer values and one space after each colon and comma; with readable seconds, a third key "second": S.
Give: {"hour": 7, "minute": 25}
